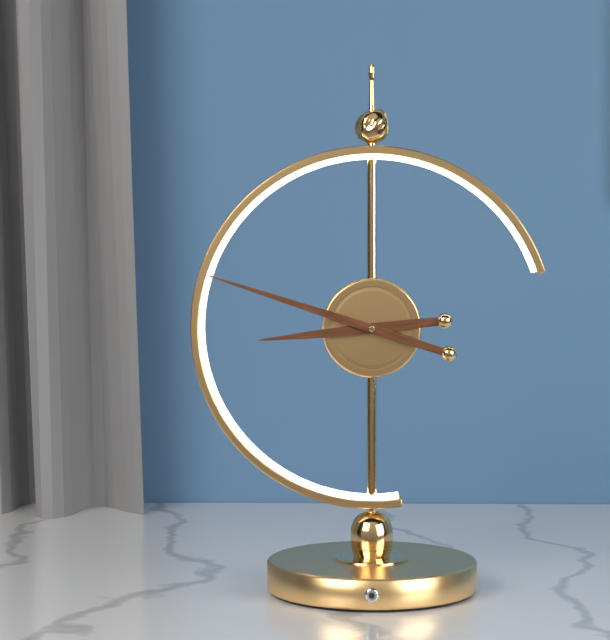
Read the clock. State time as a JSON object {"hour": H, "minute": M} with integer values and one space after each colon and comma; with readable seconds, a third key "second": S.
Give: {"hour": 8, "minute": 48}
